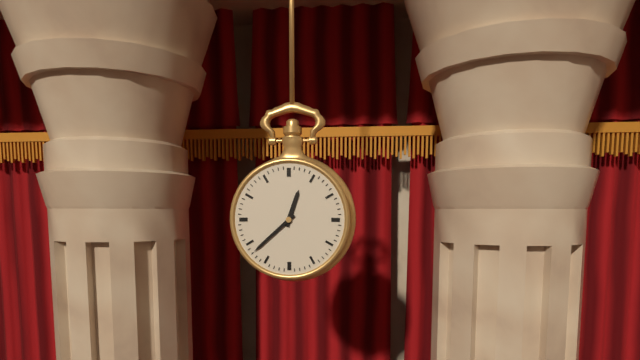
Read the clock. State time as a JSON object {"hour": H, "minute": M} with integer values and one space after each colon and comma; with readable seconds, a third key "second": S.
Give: {"hour": 12, "minute": 38}
